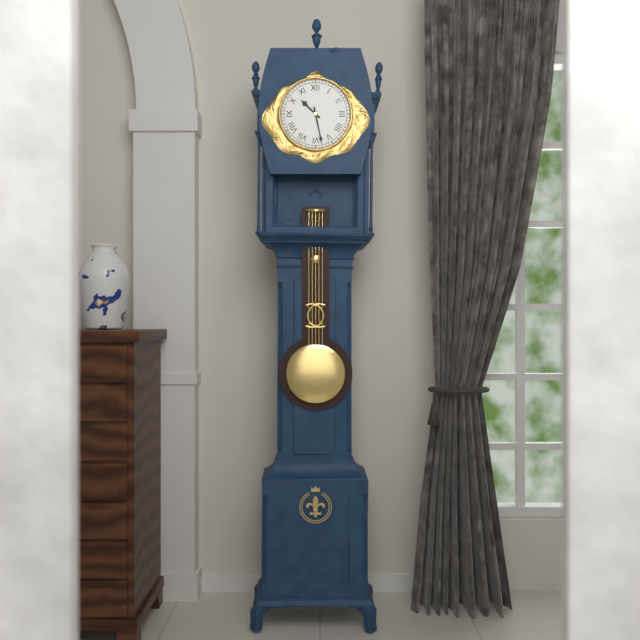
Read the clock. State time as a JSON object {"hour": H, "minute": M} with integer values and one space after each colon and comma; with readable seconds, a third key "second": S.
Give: {"hour": 10, "minute": 28}
